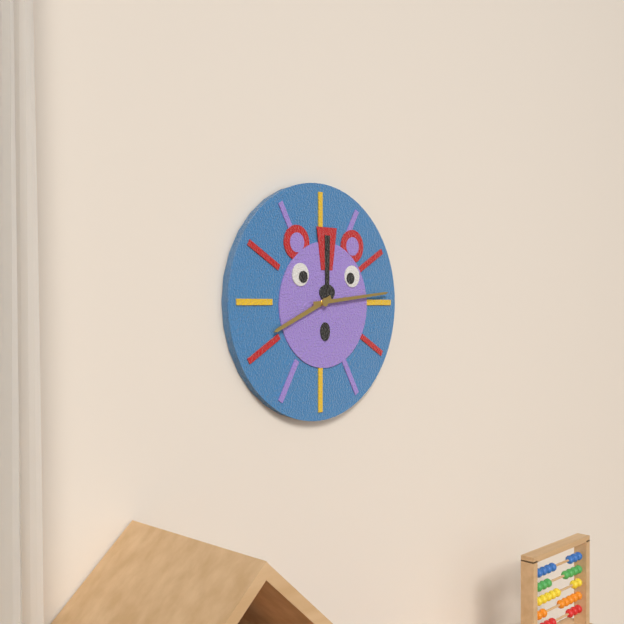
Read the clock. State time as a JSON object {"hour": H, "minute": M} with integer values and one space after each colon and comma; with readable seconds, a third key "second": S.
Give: {"hour": 8, "minute": 14}
